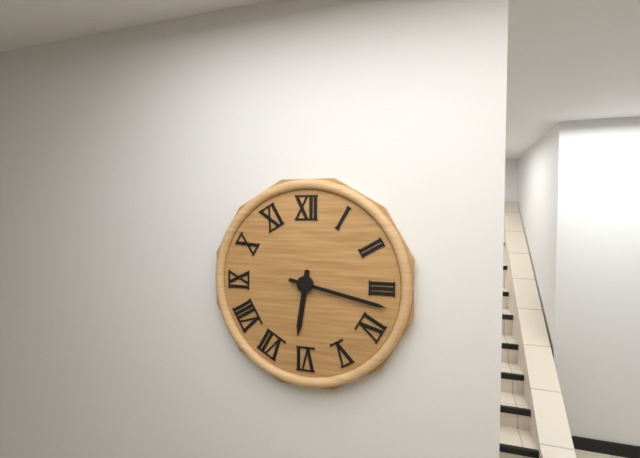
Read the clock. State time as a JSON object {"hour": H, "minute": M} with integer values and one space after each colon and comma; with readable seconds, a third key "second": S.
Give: {"hour": 6, "minute": 17}
